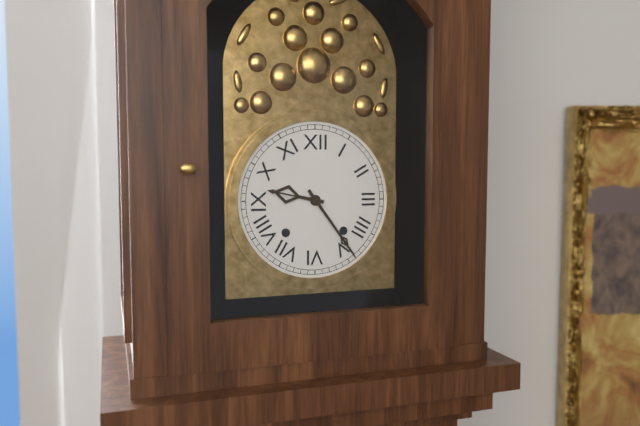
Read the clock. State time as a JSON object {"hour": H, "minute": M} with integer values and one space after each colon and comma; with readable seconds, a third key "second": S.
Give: {"hour": 9, "minute": 24}
